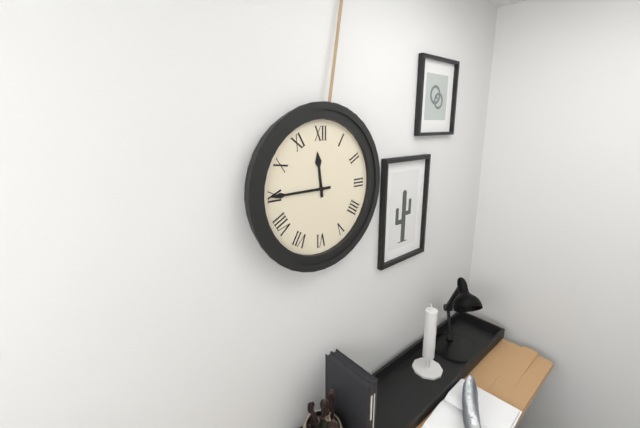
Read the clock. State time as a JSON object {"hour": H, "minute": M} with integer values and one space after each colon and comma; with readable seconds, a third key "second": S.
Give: {"hour": 11, "minute": 45}
